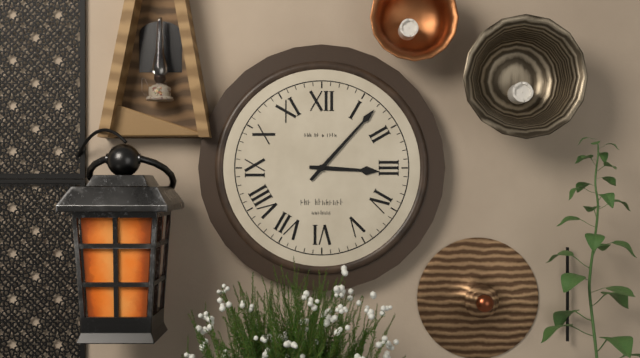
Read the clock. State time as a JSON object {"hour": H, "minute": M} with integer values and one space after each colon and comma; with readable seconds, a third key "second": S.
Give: {"hour": 3, "minute": 7}
